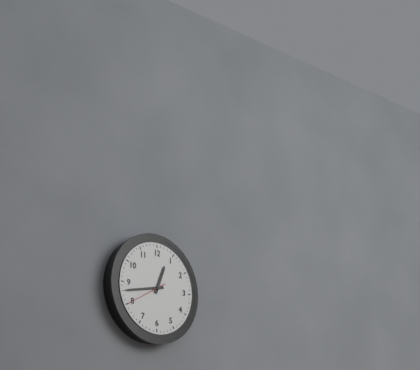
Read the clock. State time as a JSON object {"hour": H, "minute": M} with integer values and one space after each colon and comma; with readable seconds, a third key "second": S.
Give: {"hour": 12, "minute": 43}
